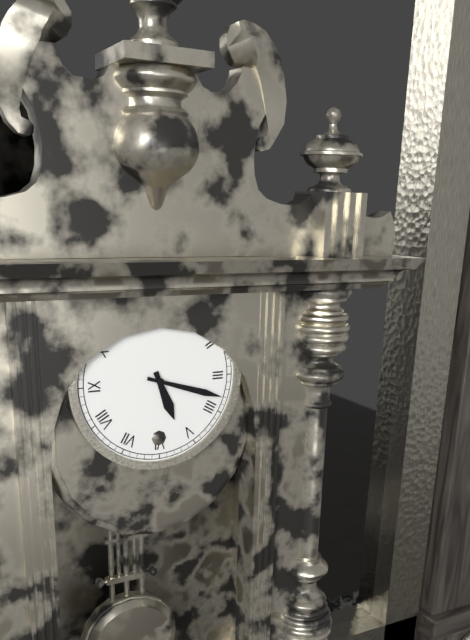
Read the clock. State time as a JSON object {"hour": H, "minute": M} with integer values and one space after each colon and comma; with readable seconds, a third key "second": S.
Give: {"hour": 5, "minute": 18}
